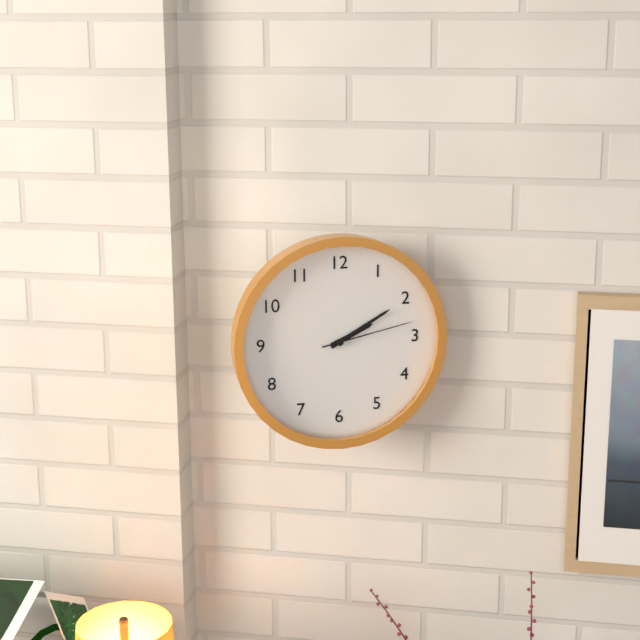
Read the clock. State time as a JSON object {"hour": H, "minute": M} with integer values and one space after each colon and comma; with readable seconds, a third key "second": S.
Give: {"hour": 2, "minute": 10, "second": 13}
